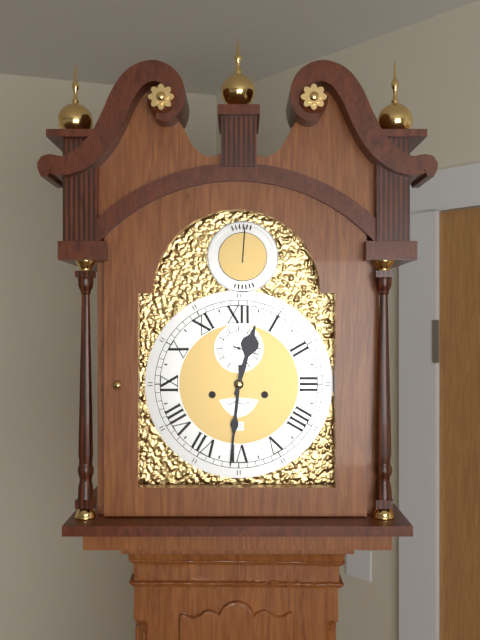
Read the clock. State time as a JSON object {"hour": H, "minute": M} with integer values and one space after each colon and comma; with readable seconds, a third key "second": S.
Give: {"hour": 12, "minute": 31}
